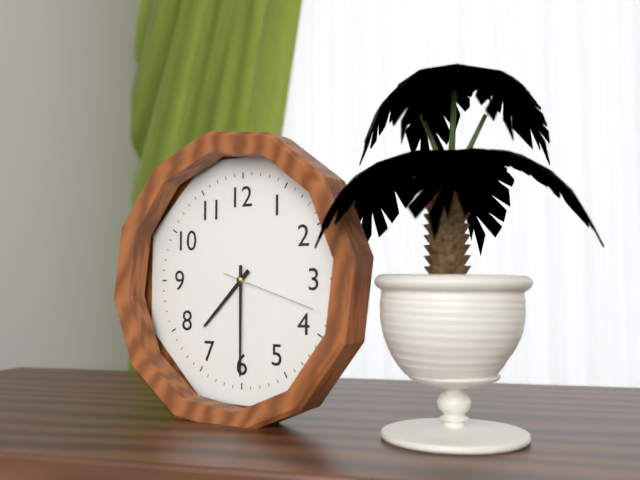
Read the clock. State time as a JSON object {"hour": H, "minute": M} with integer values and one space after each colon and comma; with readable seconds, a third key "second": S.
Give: {"hour": 7, "minute": 30, "second": 18}
